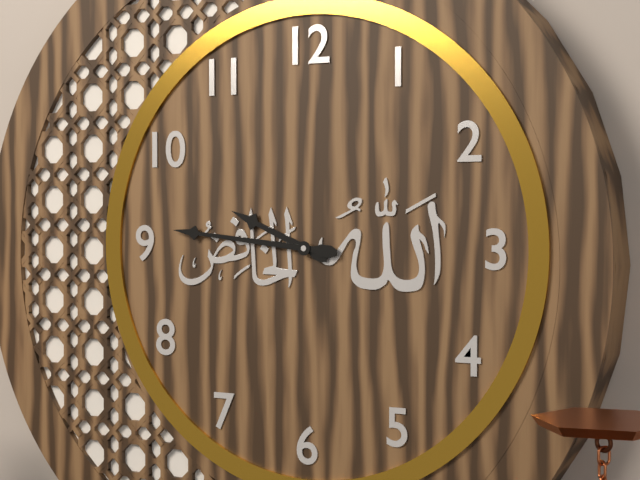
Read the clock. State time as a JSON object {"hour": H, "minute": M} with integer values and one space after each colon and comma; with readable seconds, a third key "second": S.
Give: {"hour": 9, "minute": 46}
